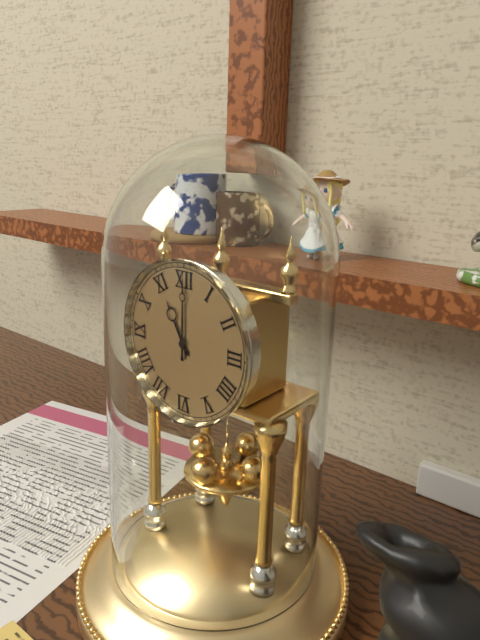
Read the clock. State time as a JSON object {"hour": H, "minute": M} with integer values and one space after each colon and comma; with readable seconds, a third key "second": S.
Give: {"hour": 11, "minute": 0}
